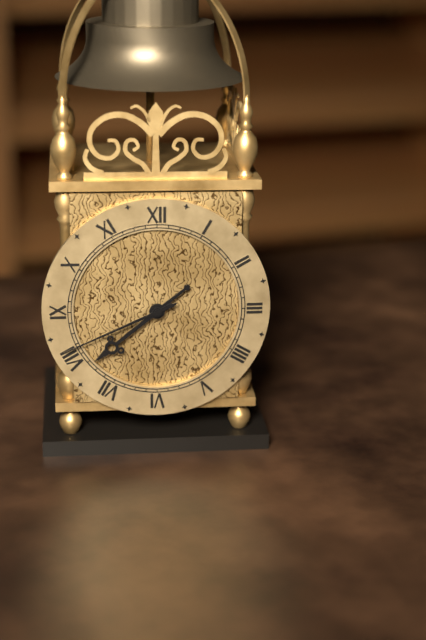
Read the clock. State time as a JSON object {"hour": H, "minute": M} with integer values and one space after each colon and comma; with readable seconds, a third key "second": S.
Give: {"hour": 7, "minute": 41}
